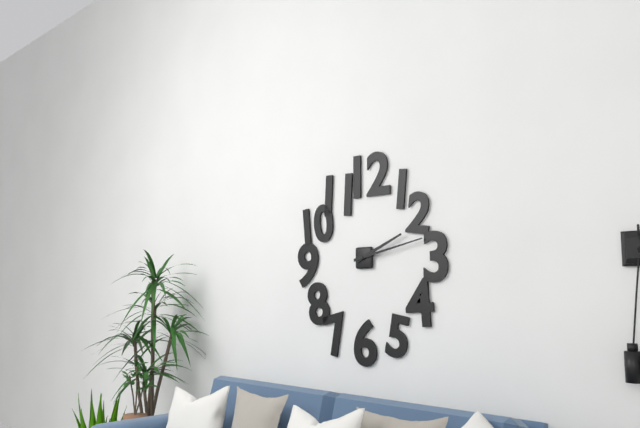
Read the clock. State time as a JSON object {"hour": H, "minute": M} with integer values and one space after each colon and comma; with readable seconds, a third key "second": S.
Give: {"hour": 2, "minute": 13}
